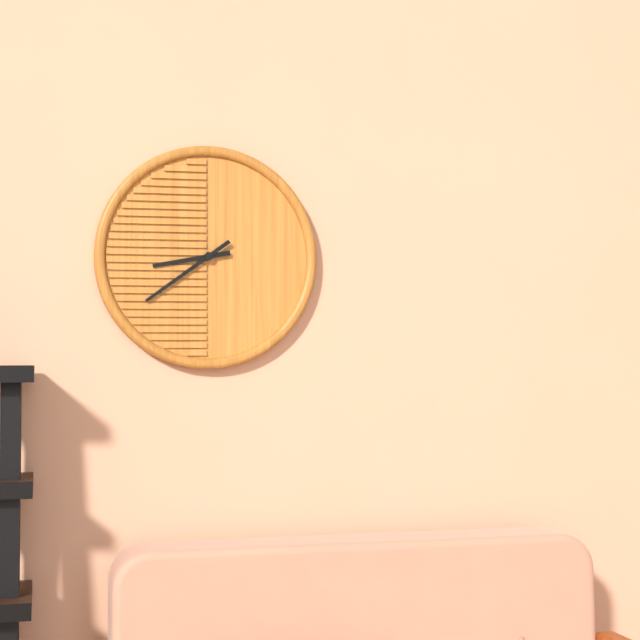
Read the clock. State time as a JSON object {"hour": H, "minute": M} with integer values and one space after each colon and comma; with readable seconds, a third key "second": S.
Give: {"hour": 8, "minute": 39}
